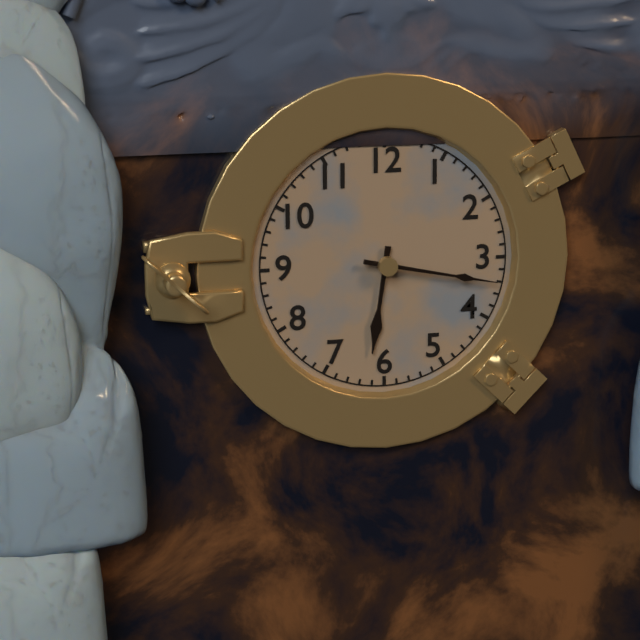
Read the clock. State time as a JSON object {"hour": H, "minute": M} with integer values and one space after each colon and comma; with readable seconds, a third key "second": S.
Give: {"hour": 6, "minute": 17}
